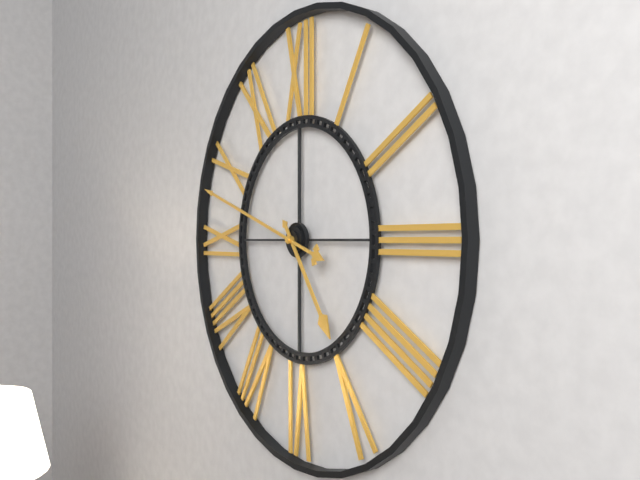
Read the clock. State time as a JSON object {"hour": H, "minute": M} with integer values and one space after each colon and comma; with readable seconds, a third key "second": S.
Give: {"hour": 4, "minute": 48}
